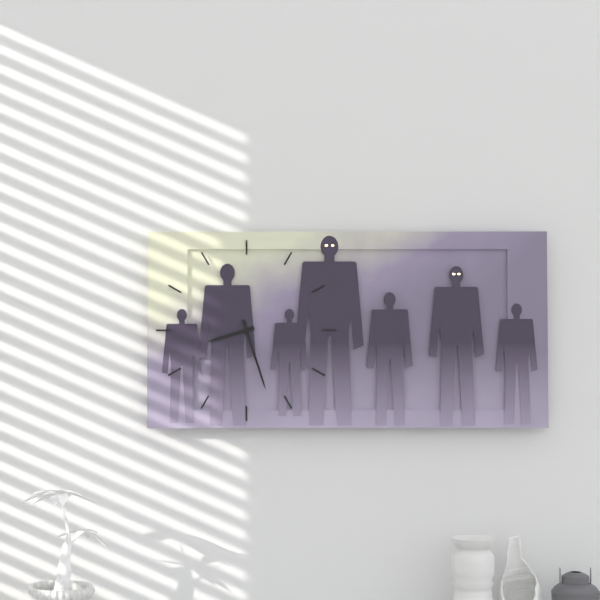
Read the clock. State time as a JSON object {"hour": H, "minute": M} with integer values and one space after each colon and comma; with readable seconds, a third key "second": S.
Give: {"hour": 8, "minute": 27}
